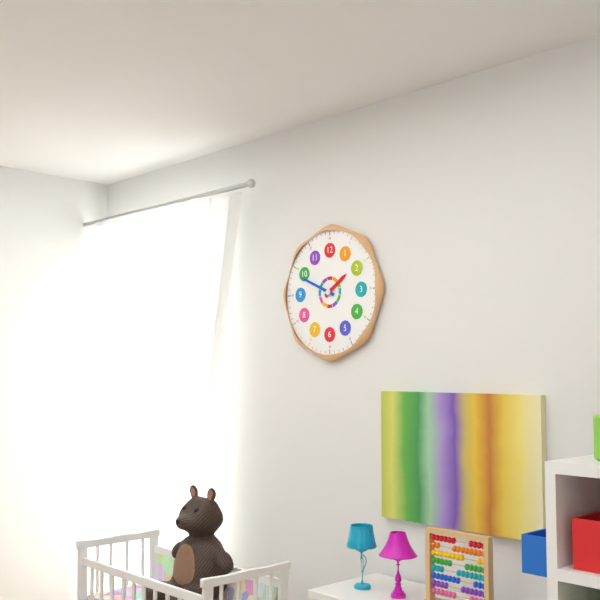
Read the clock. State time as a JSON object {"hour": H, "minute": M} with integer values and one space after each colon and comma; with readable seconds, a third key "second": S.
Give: {"hour": 1, "minute": 49}
